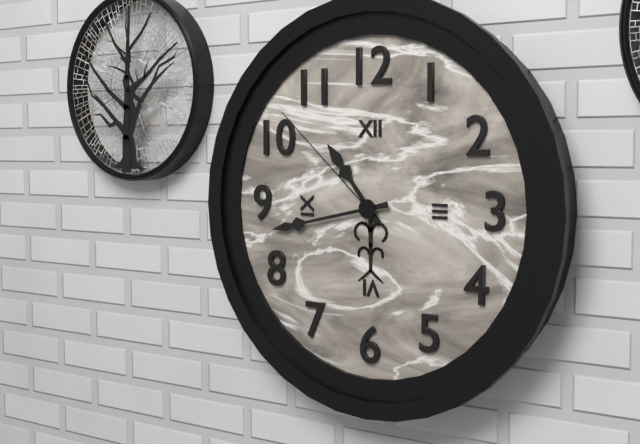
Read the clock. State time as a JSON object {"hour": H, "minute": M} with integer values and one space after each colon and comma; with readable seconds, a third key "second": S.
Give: {"hour": 10, "minute": 43, "second": 52}
